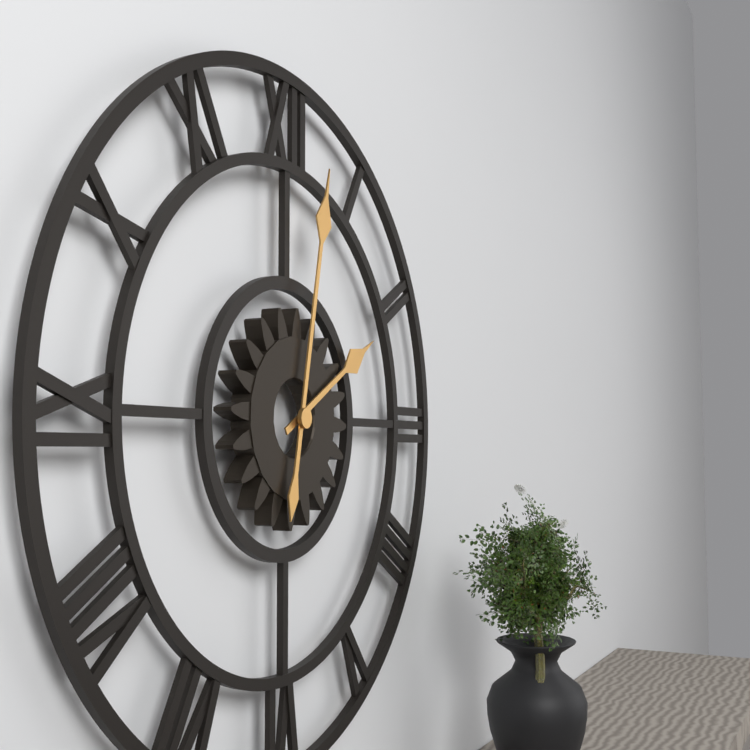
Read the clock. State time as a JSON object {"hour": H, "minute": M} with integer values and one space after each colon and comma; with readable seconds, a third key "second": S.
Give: {"hour": 2, "minute": 2}
